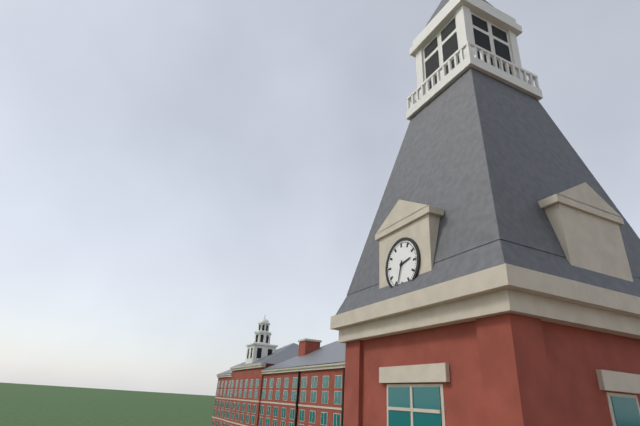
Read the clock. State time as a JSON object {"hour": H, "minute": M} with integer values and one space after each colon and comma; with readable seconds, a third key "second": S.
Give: {"hour": 2, "minute": 33}
